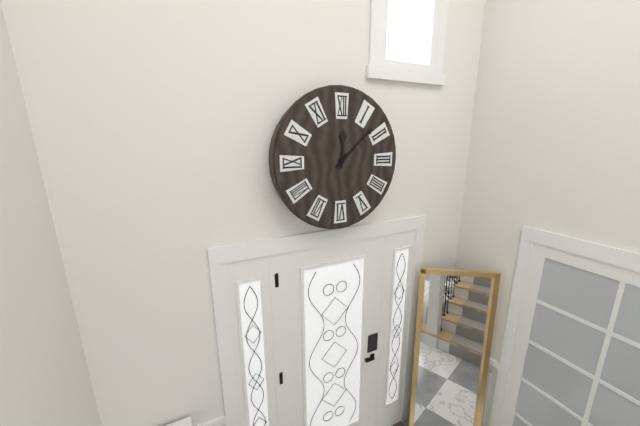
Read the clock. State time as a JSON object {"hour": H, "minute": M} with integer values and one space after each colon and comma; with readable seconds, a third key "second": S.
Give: {"hour": 12, "minute": 8}
